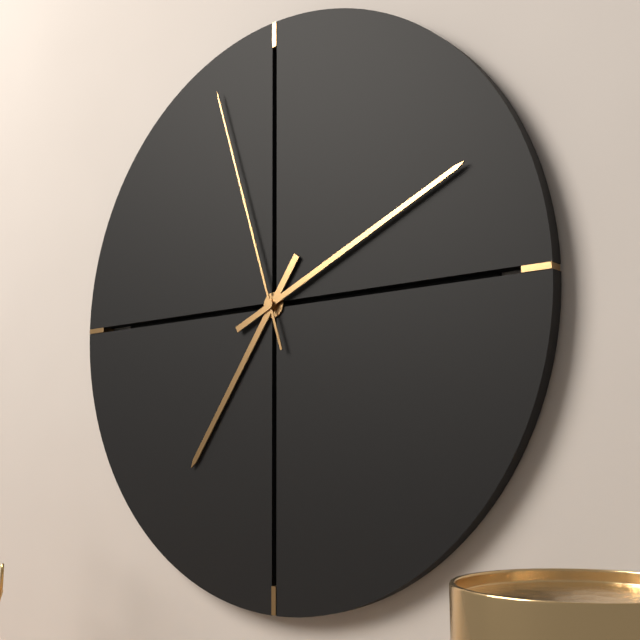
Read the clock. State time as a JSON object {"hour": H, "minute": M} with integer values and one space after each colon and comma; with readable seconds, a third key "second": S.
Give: {"hour": 7, "minute": 11, "second": 57}
